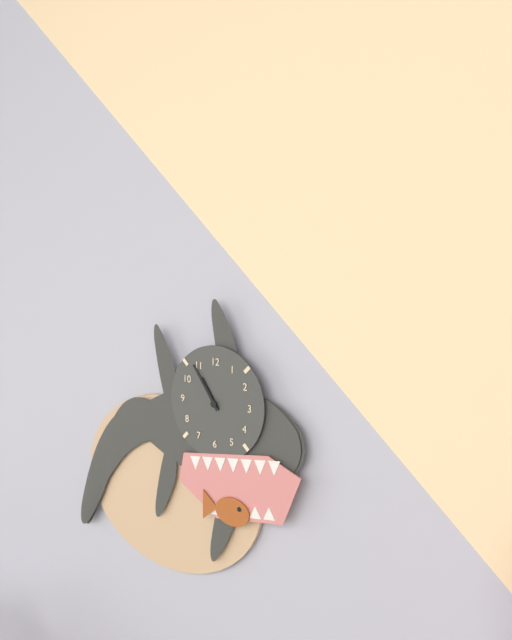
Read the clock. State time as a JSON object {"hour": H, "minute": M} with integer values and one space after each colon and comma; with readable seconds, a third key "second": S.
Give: {"hour": 10, "minute": 54}
